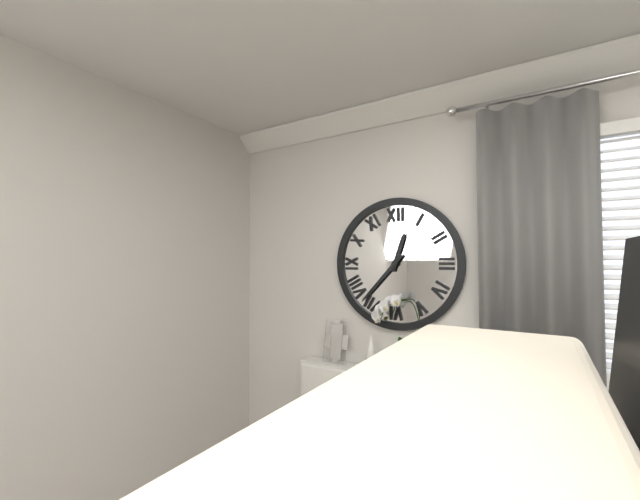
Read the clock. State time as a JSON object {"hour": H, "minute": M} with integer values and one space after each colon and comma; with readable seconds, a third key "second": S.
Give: {"hour": 12, "minute": 37}
